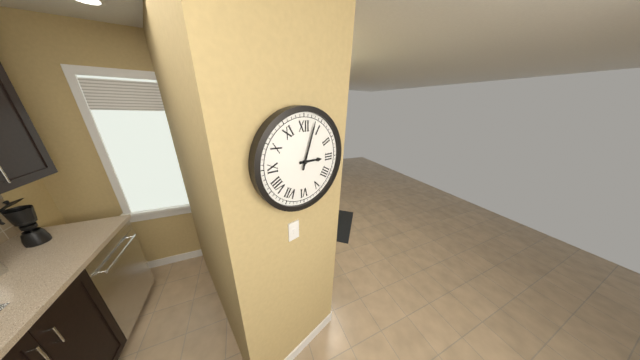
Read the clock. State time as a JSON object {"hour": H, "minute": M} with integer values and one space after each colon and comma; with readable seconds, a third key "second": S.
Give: {"hour": 3, "minute": 3}
